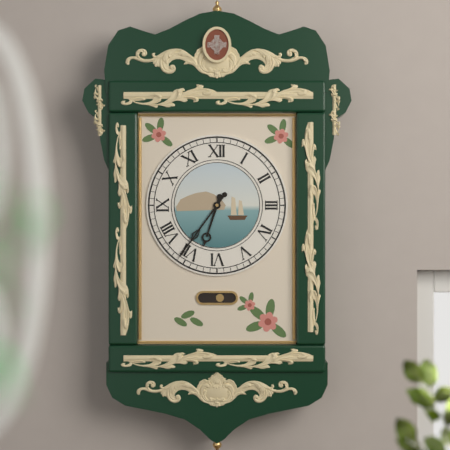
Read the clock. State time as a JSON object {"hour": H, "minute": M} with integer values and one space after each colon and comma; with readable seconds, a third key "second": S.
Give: {"hour": 6, "minute": 36}
